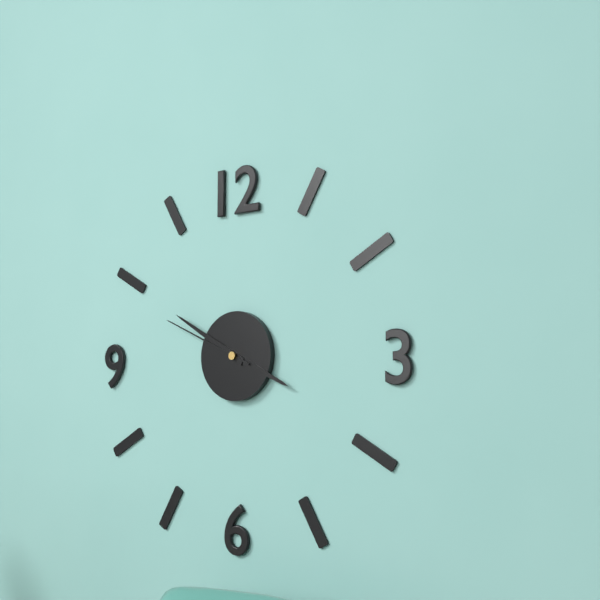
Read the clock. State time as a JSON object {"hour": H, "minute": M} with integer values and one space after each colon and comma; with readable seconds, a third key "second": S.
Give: {"hour": 3, "minute": 50, "second": 49}
